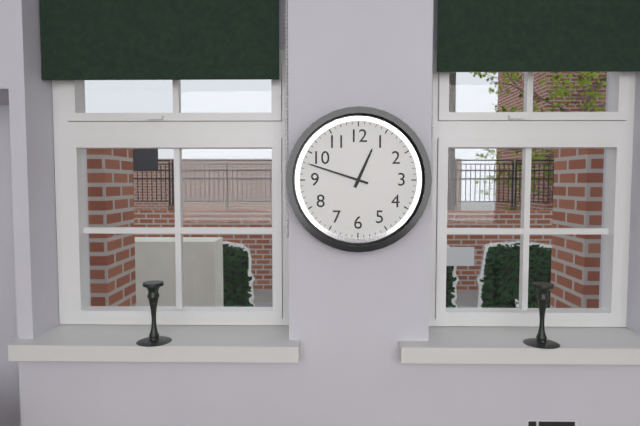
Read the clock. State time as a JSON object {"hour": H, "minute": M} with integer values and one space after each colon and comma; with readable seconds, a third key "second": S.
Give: {"hour": 12, "minute": 48}
